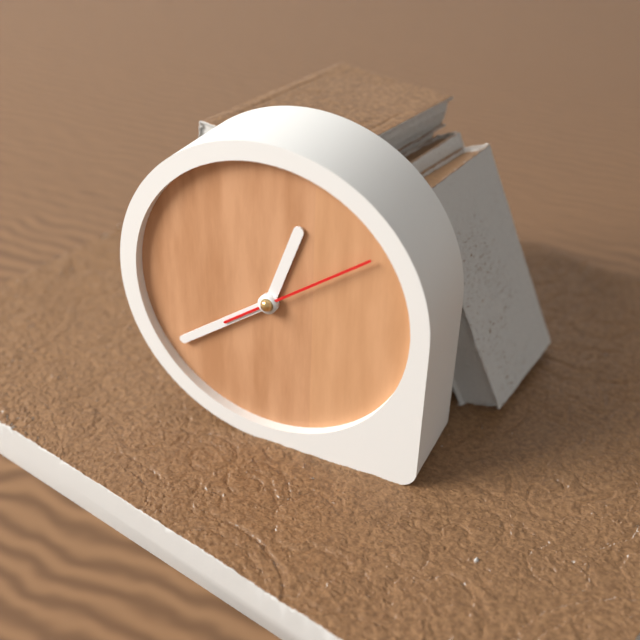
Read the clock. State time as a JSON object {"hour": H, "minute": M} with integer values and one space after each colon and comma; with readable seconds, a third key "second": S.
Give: {"hour": 12, "minute": 39, "second": 9}
